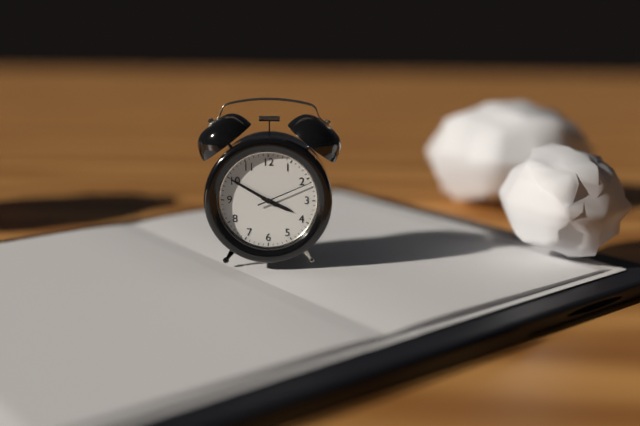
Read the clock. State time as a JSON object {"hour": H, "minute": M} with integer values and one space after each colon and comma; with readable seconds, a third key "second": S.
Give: {"hour": 3, "minute": 50, "second": 11}
